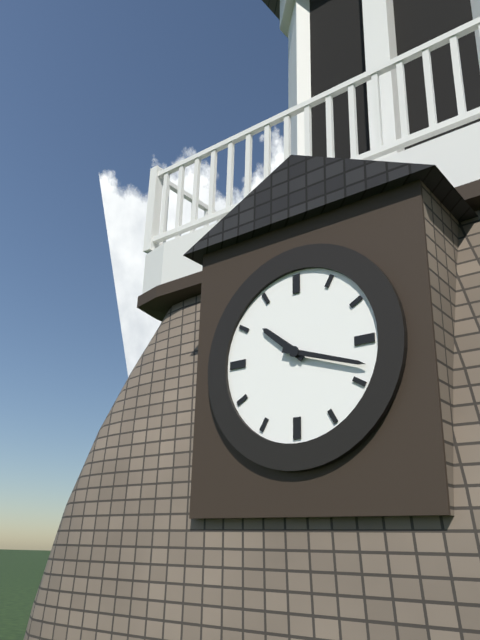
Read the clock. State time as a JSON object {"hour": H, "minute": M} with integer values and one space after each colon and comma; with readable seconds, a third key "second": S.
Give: {"hour": 10, "minute": 18}
